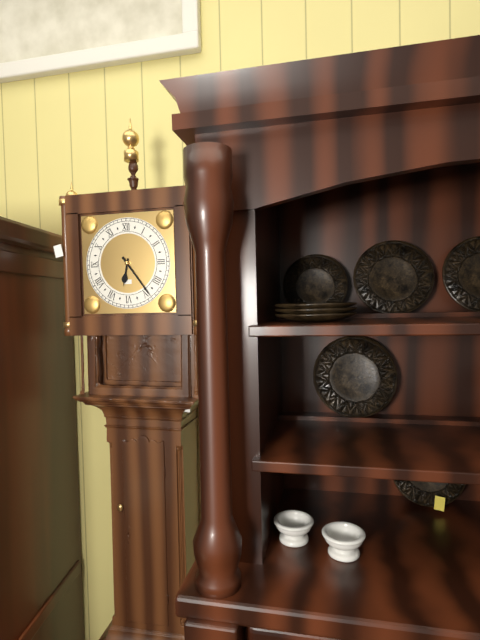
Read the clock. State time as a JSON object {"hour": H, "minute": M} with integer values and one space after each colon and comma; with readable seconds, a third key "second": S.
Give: {"hour": 6, "minute": 24}
